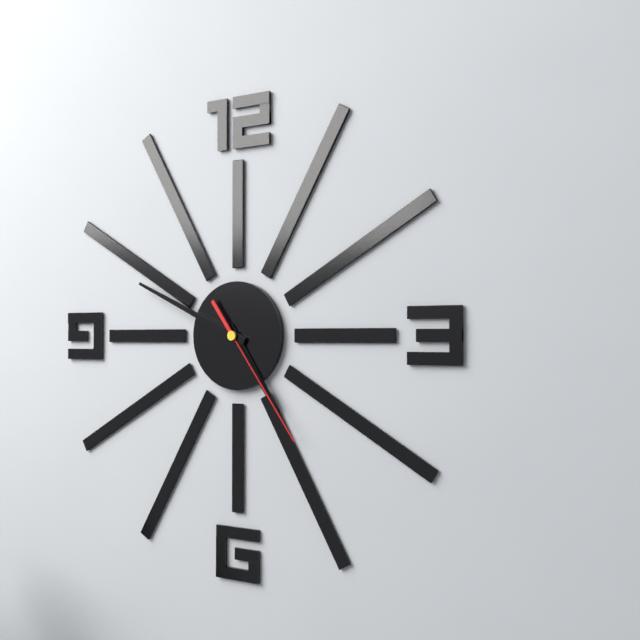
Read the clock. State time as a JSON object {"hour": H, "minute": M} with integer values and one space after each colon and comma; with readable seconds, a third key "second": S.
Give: {"hour": 4, "minute": 49, "second": 24}
